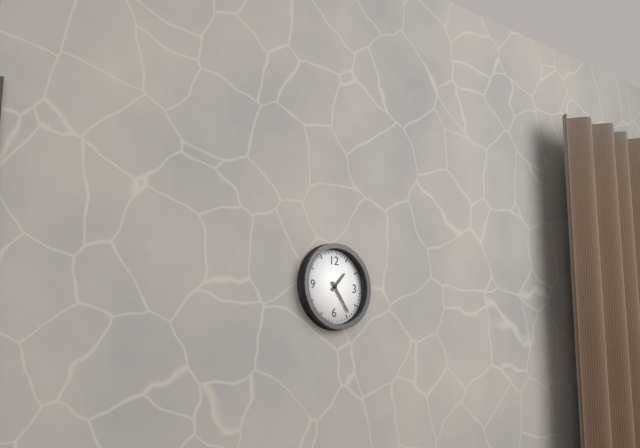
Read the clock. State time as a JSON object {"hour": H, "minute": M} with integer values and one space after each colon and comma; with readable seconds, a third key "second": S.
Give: {"hour": 1, "minute": 24}
